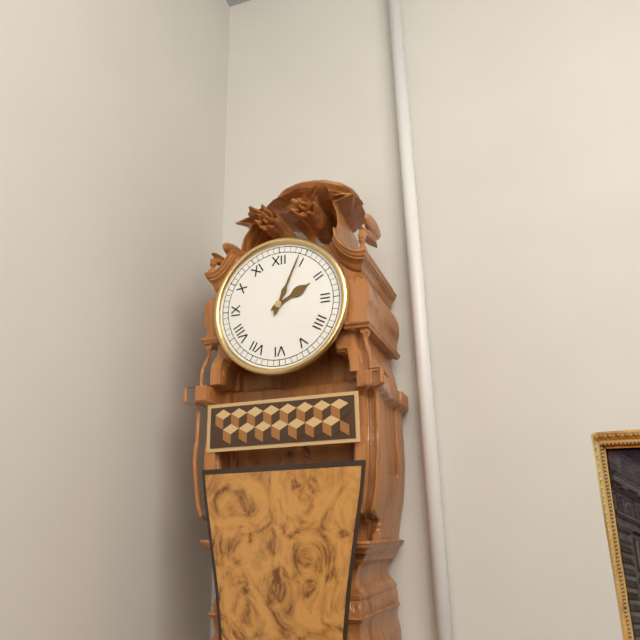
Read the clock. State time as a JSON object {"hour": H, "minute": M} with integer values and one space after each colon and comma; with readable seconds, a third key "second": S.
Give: {"hour": 2, "minute": 4}
